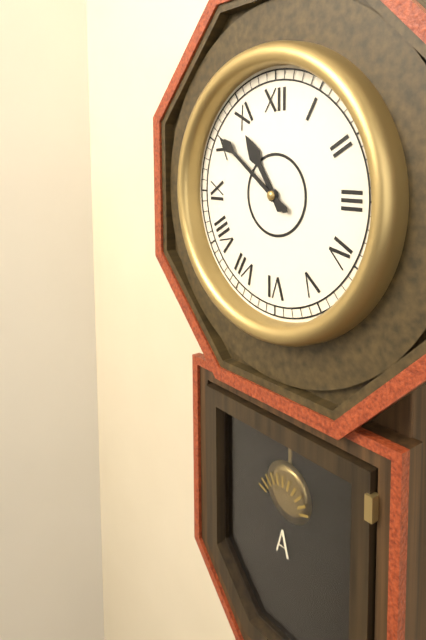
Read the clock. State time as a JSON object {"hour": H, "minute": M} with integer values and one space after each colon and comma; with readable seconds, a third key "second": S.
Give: {"hour": 10, "minute": 51}
